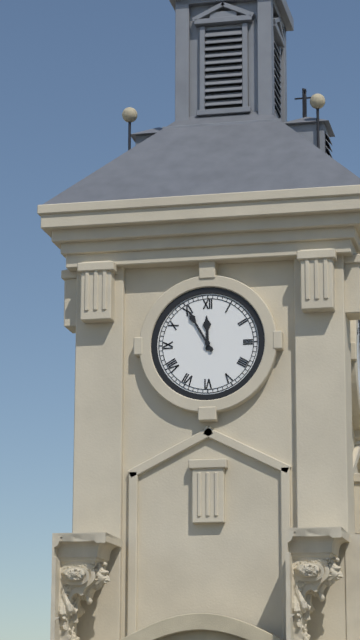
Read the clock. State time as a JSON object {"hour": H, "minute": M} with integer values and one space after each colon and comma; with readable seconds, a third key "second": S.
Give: {"hour": 11, "minute": 55}
